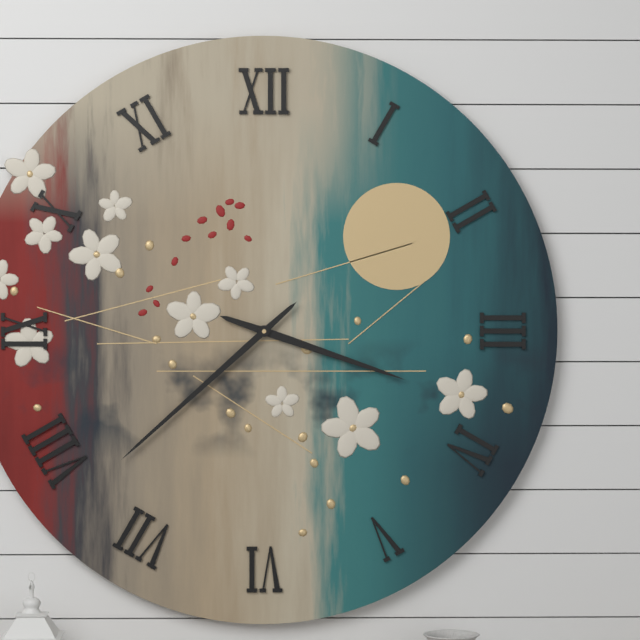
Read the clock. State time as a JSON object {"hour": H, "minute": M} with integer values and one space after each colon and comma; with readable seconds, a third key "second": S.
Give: {"hour": 3, "minute": 38}
